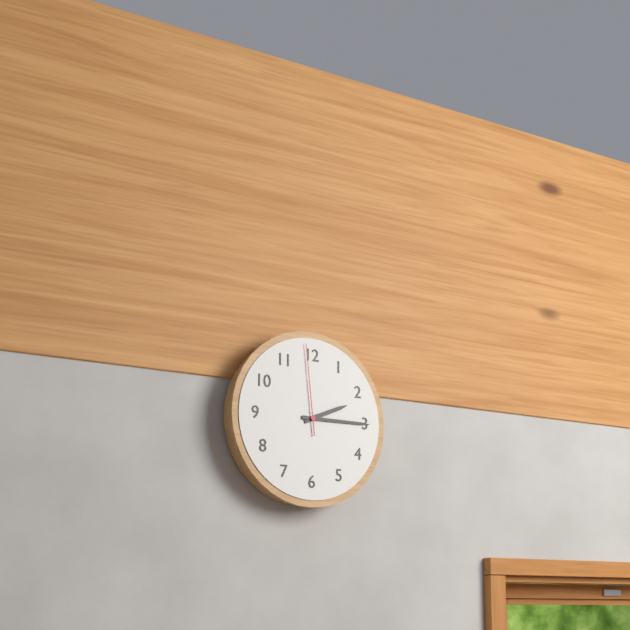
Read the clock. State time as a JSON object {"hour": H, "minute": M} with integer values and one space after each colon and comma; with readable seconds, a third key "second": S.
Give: {"hour": 2, "minute": 15, "second": 59}
